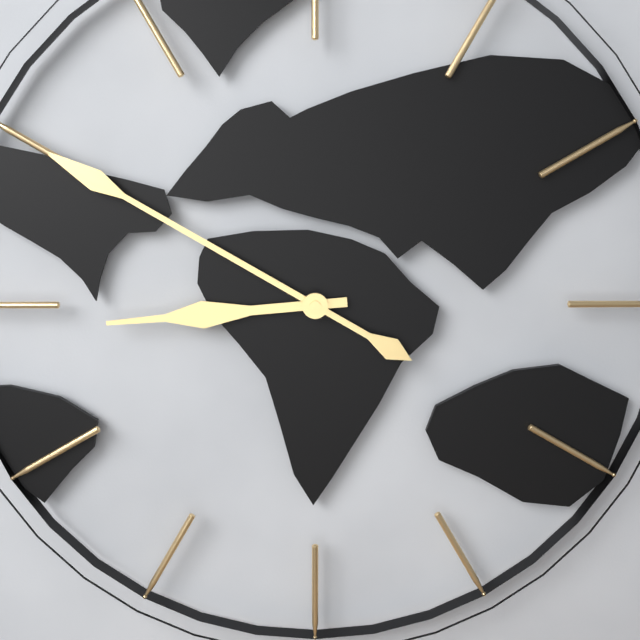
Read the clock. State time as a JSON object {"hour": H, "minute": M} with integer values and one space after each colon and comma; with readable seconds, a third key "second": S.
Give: {"hour": 8, "minute": 50}
